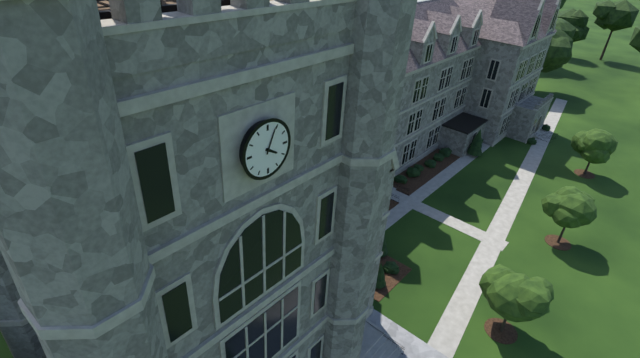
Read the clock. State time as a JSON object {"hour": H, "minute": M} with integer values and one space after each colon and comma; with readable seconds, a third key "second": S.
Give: {"hour": 4, "minute": 4}
